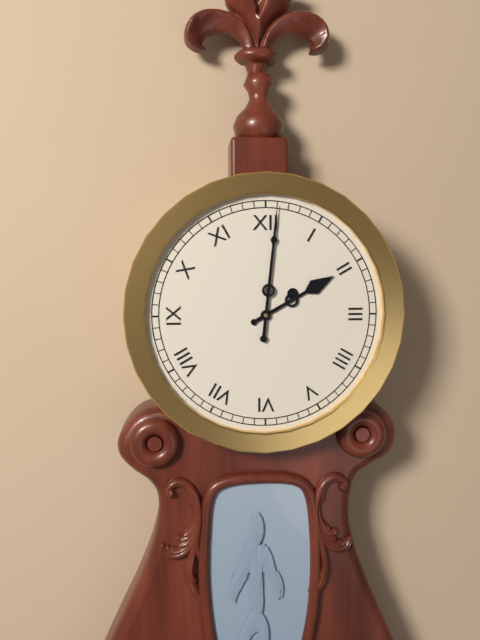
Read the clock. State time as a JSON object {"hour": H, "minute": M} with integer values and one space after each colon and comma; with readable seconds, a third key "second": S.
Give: {"hour": 2, "minute": 1}
